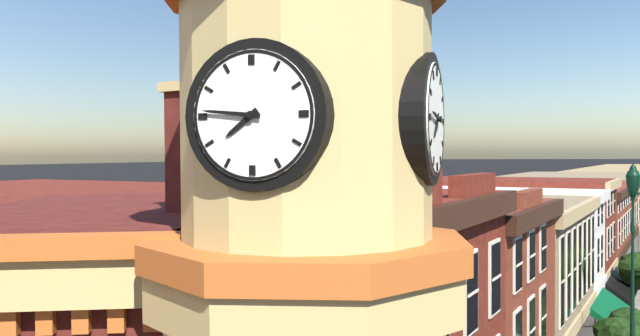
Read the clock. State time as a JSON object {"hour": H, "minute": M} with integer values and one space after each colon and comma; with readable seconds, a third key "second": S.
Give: {"hour": 7, "minute": 46}
